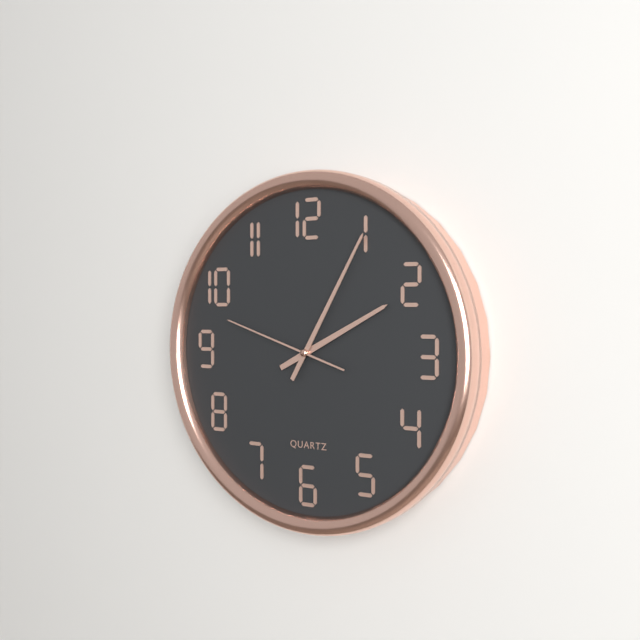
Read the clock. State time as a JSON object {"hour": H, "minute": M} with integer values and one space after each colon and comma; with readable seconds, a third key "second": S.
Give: {"hour": 2, "minute": 5, "second": 48}
